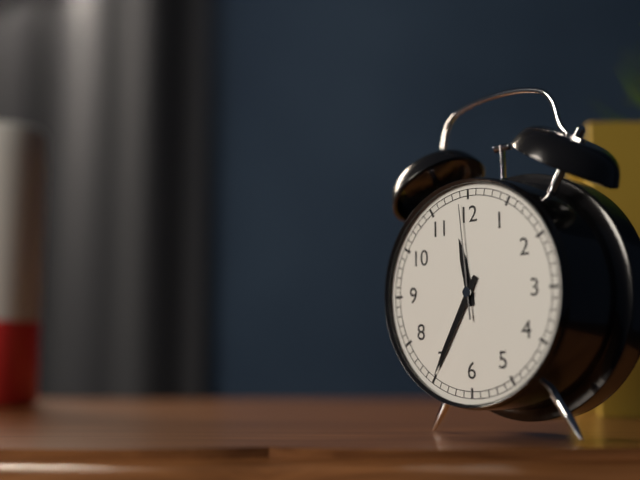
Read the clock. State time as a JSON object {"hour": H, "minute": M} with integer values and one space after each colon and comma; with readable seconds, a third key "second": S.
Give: {"hour": 11, "minute": 35, "second": 59}
